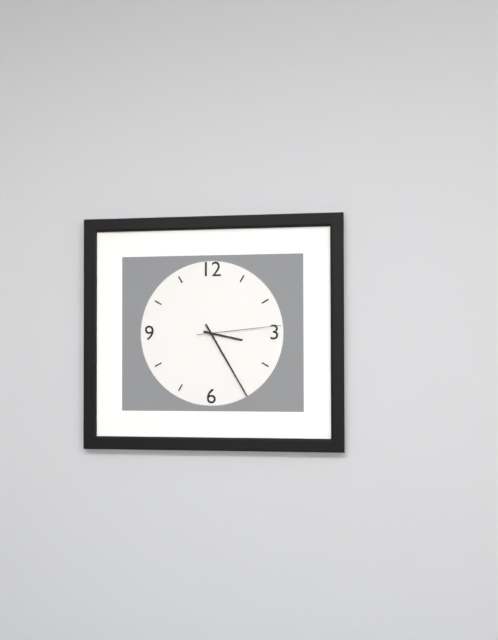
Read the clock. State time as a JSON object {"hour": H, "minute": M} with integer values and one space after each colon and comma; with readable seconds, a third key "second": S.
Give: {"hour": 3, "minute": 25, "second": 14}
